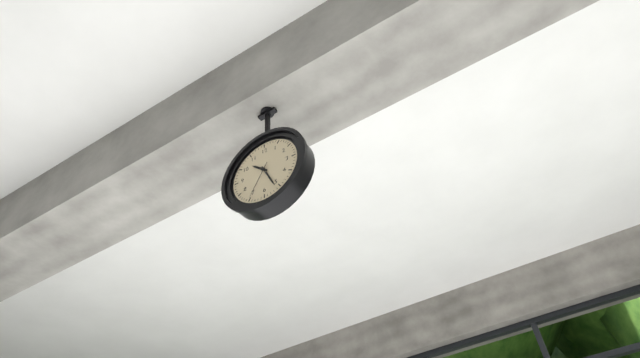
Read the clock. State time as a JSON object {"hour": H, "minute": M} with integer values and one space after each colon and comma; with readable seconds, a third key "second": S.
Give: {"hour": 10, "minute": 26}
